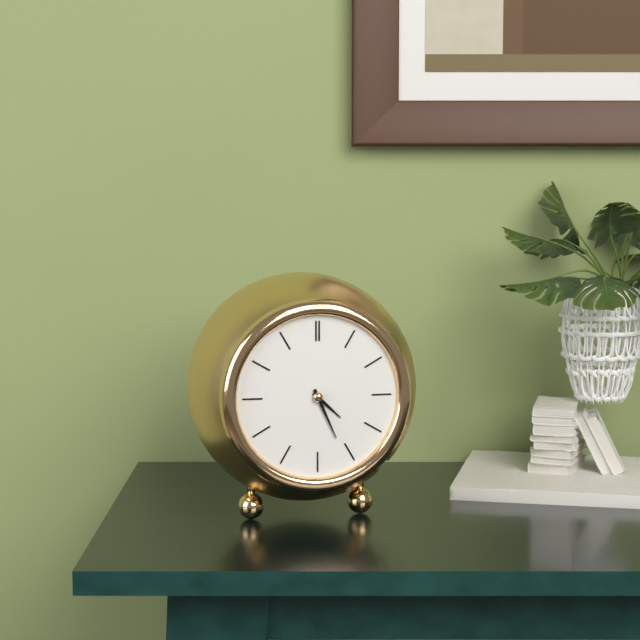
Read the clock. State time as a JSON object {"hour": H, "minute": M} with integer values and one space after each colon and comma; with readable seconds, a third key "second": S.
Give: {"hour": 4, "minute": 26}
